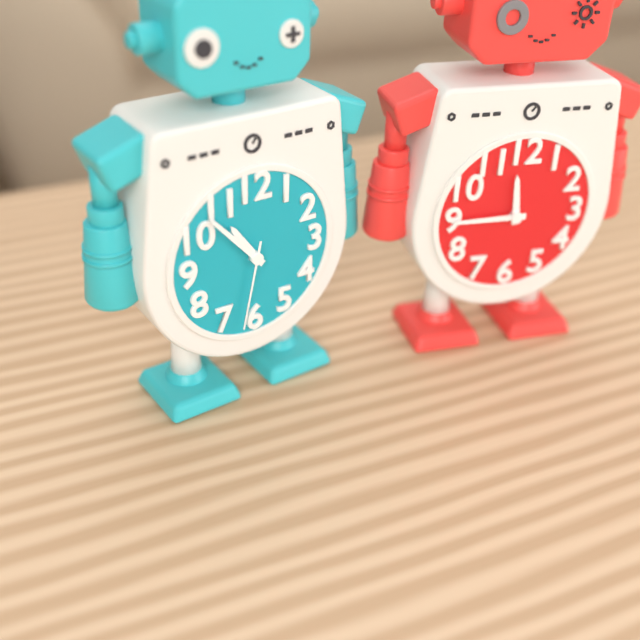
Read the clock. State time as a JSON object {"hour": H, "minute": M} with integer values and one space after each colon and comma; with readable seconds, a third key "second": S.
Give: {"hour": 10, "minute": 53, "second": 32}
